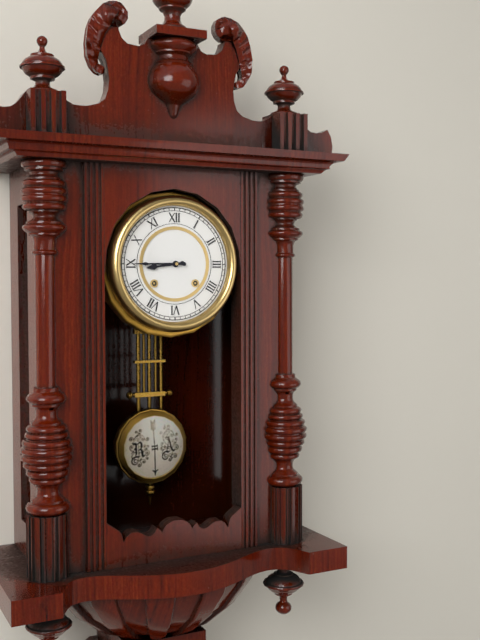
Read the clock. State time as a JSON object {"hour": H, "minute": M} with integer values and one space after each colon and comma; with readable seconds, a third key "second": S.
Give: {"hour": 8, "minute": 45}
